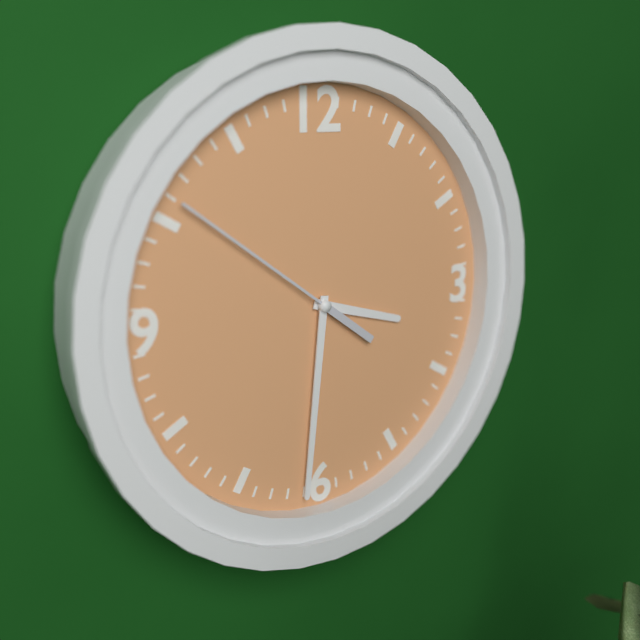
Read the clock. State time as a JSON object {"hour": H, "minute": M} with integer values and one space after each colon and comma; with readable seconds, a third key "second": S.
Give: {"hour": 3, "minute": 31, "second": 51}
